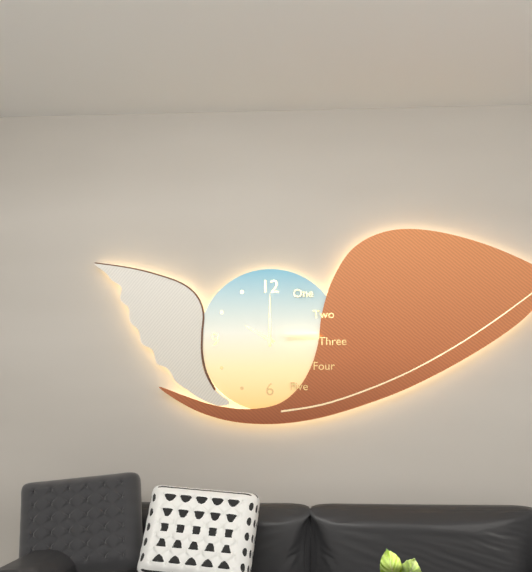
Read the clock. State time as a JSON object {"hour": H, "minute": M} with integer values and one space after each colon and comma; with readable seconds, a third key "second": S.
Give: {"hour": 10, "minute": 0}
